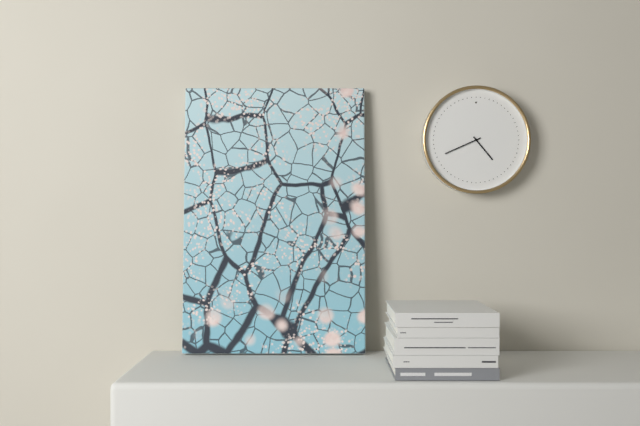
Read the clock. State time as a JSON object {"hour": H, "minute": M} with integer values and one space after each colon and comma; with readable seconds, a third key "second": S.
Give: {"hour": 4, "minute": 41}
